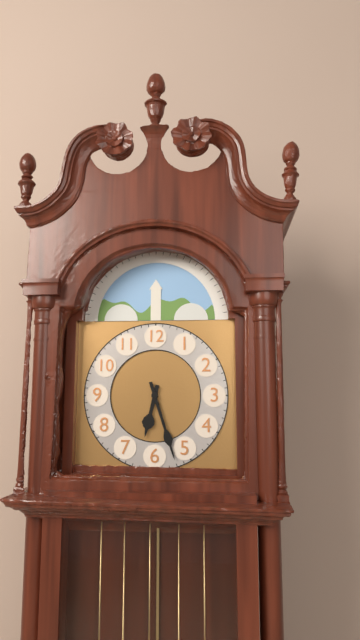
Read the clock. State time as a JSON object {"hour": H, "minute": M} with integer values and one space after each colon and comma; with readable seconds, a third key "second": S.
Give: {"hour": 6, "minute": 27}
